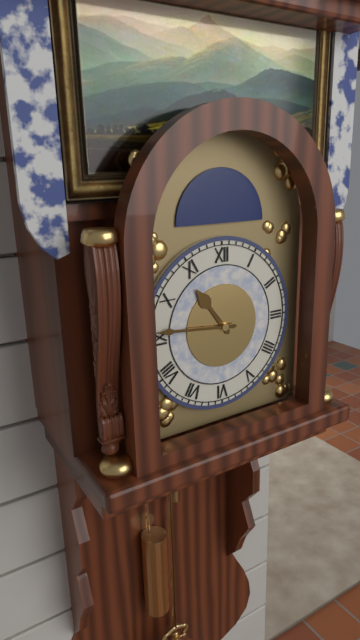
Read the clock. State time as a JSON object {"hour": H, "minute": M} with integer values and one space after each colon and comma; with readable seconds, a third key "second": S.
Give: {"hour": 10, "minute": 46}
